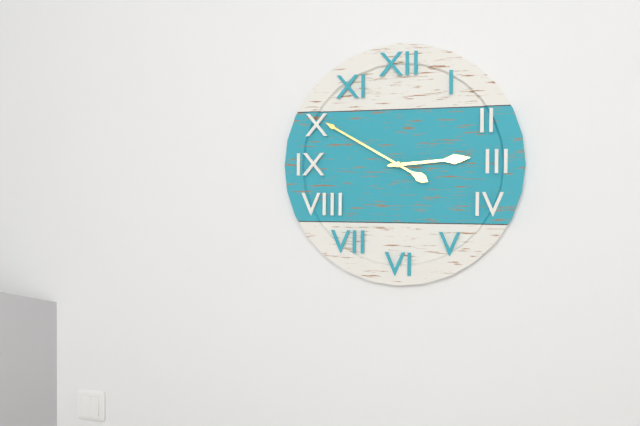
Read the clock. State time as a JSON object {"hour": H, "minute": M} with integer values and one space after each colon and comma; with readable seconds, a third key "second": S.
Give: {"hour": 2, "minute": 50}
